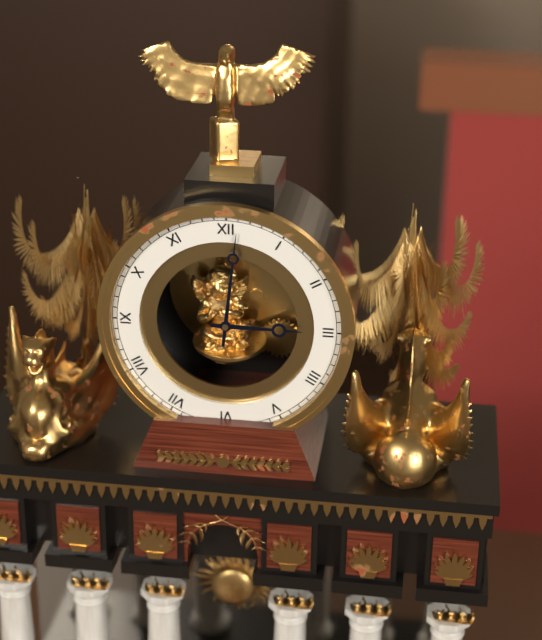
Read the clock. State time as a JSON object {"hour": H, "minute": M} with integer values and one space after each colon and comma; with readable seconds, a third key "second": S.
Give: {"hour": 3, "minute": 1}
